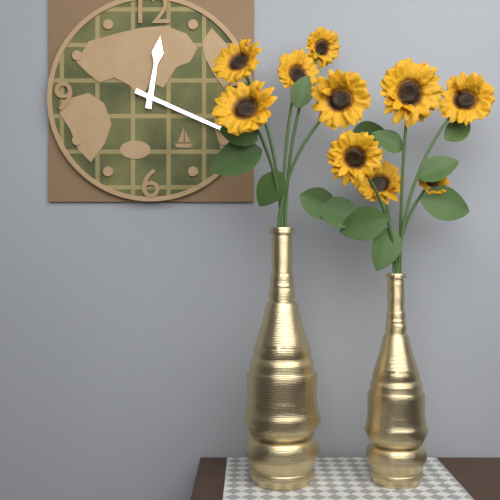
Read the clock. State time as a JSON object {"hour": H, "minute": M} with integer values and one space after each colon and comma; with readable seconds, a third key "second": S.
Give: {"hour": 12, "minute": 19}
